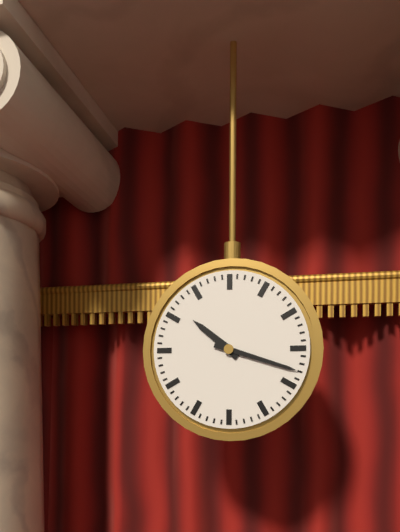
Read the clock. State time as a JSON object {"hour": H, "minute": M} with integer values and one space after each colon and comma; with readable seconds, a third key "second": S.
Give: {"hour": 10, "minute": 18}
